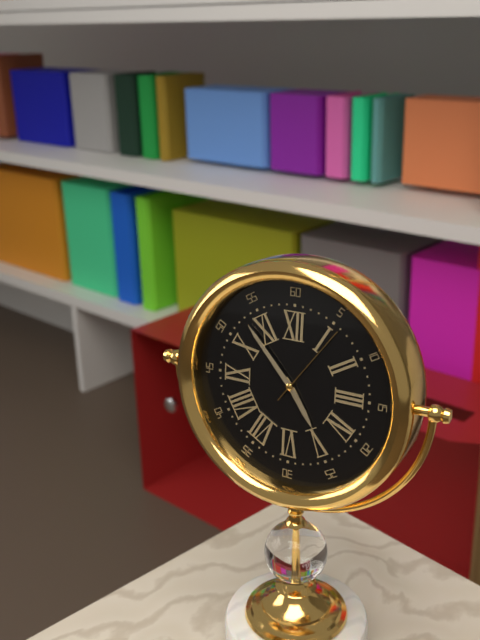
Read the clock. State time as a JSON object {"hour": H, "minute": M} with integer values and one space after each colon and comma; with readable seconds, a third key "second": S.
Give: {"hour": 4, "minute": 53, "second": 6}
